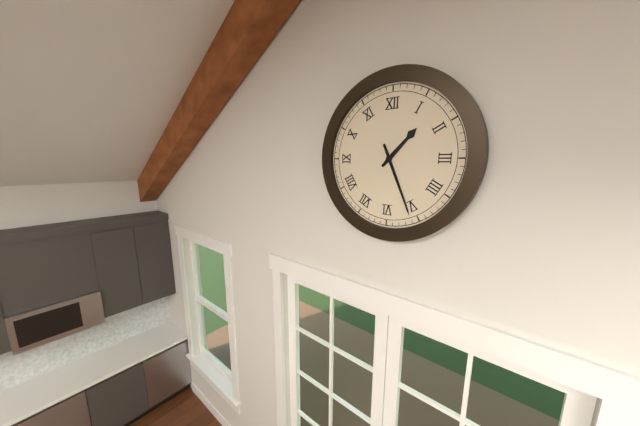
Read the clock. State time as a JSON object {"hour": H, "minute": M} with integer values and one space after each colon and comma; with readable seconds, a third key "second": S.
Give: {"hour": 1, "minute": 26}
